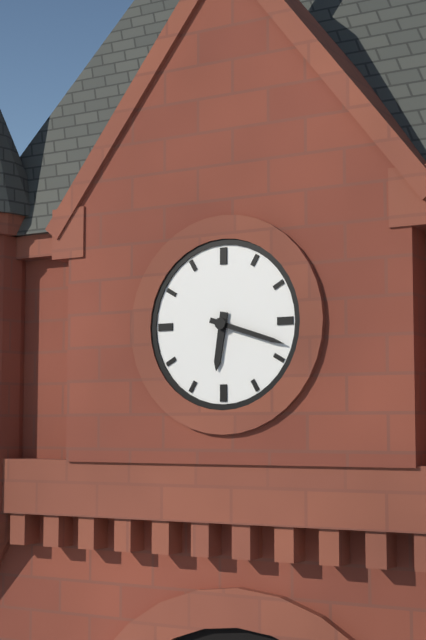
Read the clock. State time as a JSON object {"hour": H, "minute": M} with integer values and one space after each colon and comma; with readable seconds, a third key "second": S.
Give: {"hour": 6, "minute": 18}
